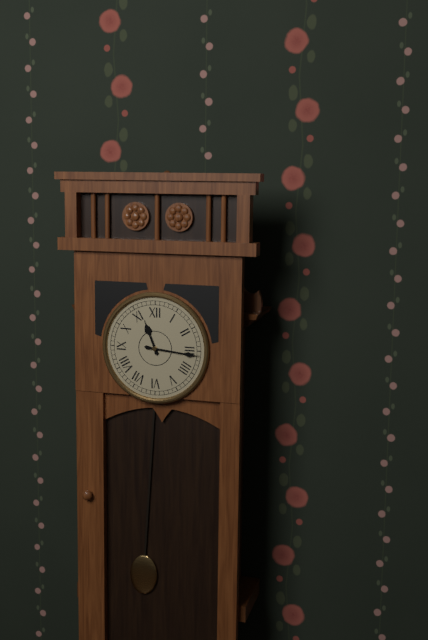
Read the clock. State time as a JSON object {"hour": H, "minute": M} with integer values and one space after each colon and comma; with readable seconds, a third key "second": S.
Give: {"hour": 11, "minute": 16}
